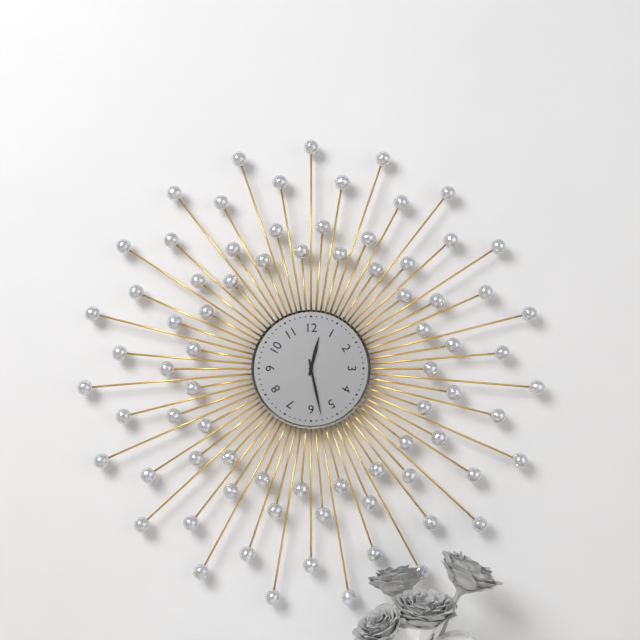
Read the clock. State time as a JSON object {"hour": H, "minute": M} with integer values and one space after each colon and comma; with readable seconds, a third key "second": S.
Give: {"hour": 12, "minute": 28}
